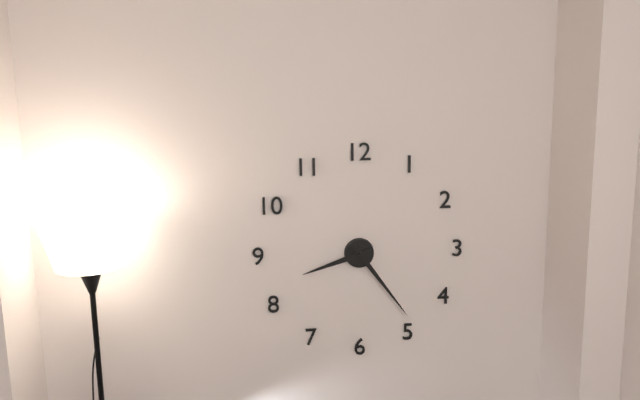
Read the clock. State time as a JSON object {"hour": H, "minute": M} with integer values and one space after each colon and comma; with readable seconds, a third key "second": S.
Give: {"hour": 8, "minute": 24}
